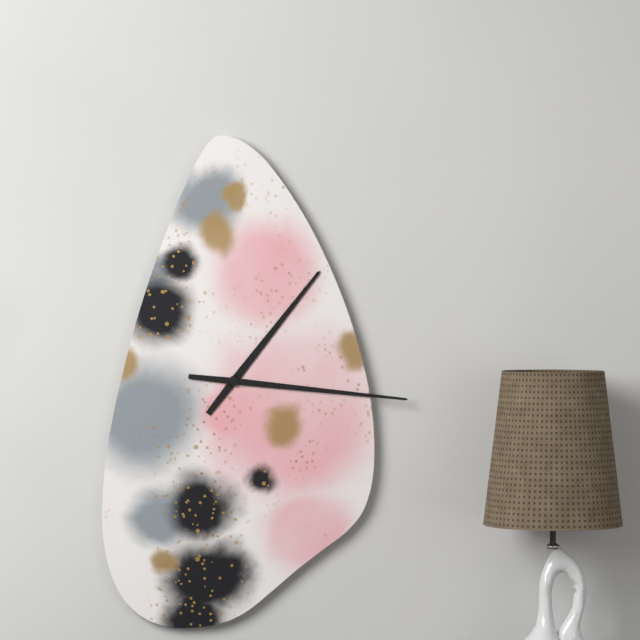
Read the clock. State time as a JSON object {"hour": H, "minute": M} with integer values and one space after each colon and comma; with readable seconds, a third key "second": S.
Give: {"hour": 1, "minute": 16}
